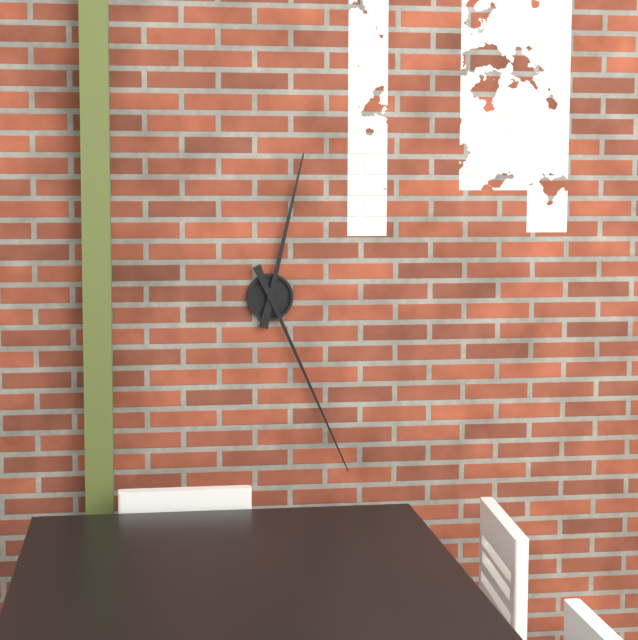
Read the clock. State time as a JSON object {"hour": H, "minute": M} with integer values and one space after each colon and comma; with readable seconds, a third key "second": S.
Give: {"hour": 12, "minute": 26}
